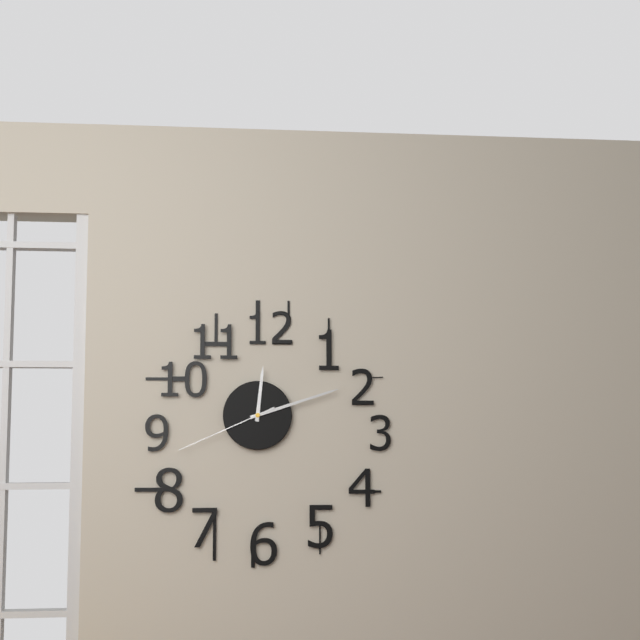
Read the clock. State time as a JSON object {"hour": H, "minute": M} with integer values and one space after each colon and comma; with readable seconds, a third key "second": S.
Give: {"hour": 12, "minute": 12, "second": 41}
